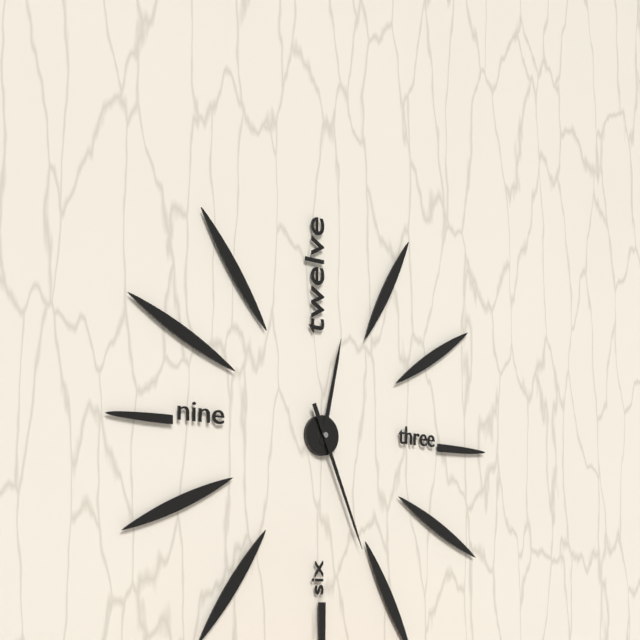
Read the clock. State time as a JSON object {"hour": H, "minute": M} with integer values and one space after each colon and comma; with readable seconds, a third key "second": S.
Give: {"hour": 12, "minute": 26}
